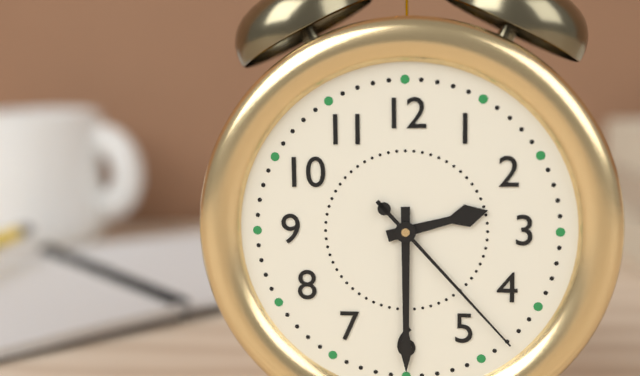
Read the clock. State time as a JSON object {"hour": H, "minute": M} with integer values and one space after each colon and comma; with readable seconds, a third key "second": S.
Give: {"hour": 2, "minute": 30, "second": 23}
